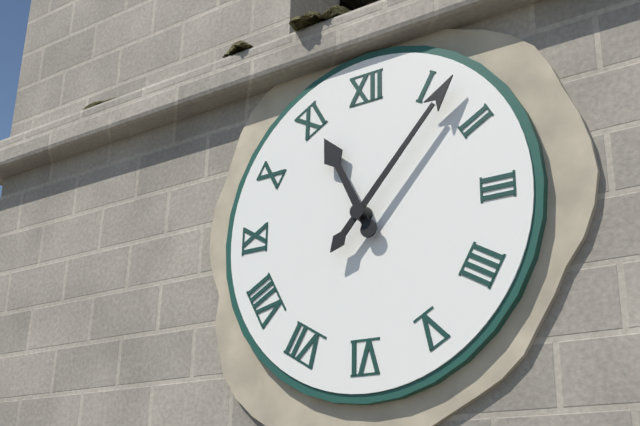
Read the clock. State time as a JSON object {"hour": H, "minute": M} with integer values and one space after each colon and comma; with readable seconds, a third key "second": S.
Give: {"hour": 11, "minute": 7}
